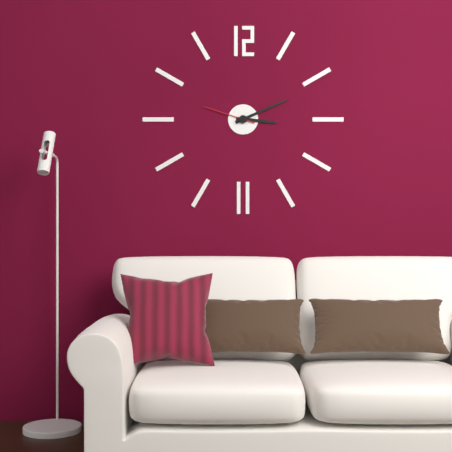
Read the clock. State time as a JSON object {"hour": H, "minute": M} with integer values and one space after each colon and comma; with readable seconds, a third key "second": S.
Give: {"hour": 3, "minute": 11, "second": 48}
